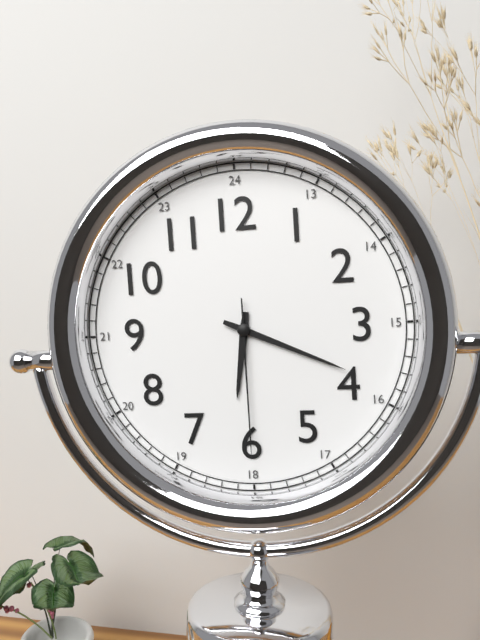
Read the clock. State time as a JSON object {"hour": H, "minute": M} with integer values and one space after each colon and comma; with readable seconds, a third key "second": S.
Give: {"hour": 6, "minute": 19, "second": 30}
